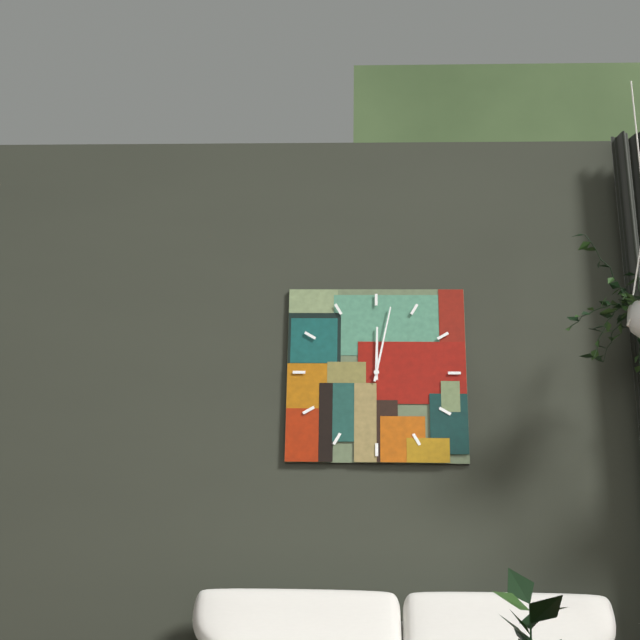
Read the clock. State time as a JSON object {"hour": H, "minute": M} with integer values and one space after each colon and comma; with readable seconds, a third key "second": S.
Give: {"hour": 12, "minute": 2}
